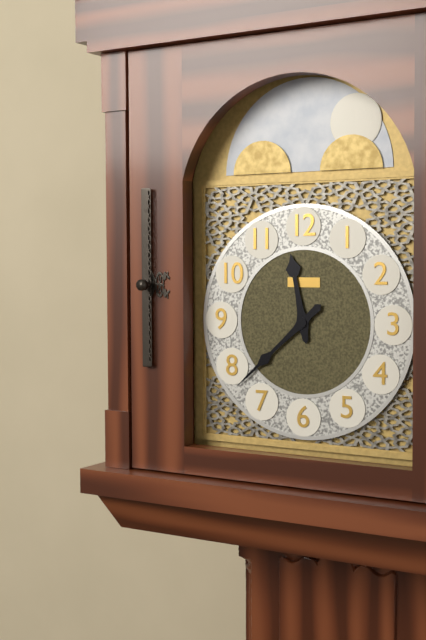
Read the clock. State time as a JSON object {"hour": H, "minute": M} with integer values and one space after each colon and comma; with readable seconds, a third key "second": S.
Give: {"hour": 11, "minute": 38}
